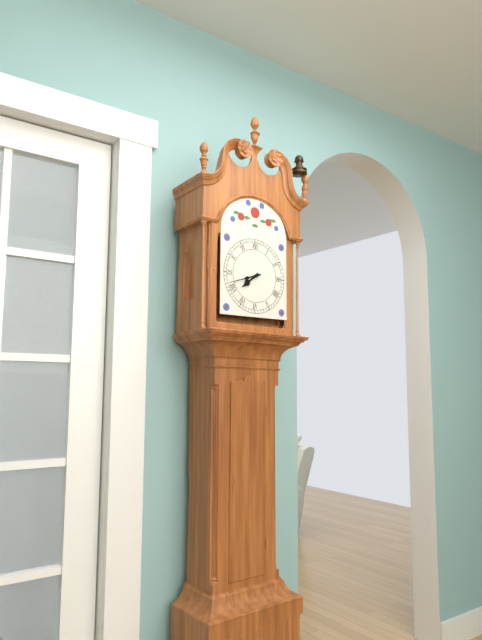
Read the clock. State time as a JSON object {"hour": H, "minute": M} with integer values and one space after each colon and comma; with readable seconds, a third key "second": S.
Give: {"hour": 7, "minute": 42}
